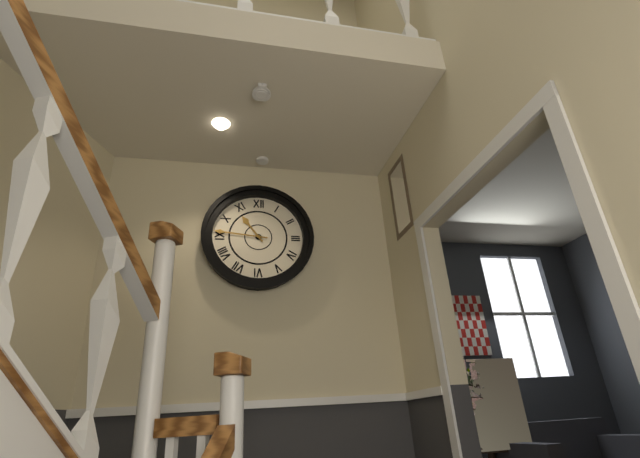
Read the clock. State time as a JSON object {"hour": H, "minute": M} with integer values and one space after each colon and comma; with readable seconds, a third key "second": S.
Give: {"hour": 10, "minute": 46}
